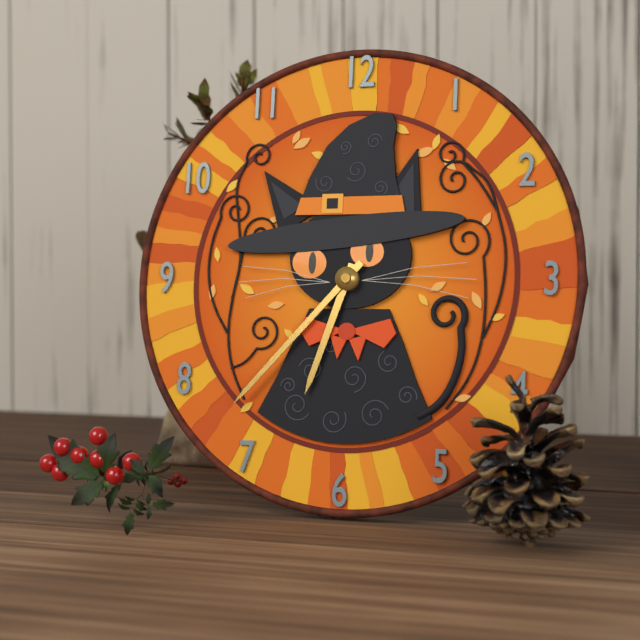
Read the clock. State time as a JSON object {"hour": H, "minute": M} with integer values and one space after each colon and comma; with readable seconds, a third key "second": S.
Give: {"hour": 6, "minute": 37}
